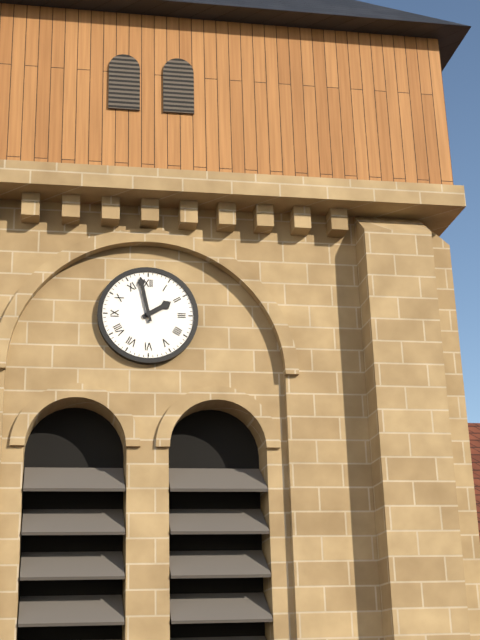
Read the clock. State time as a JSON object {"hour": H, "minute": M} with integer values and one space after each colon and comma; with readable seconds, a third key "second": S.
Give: {"hour": 1, "minute": 58}
